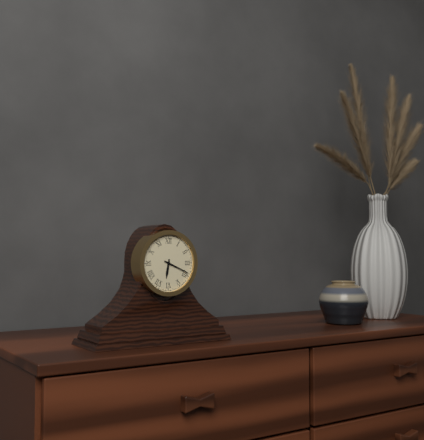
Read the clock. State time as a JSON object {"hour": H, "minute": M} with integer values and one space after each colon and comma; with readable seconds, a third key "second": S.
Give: {"hour": 6, "minute": 19}
